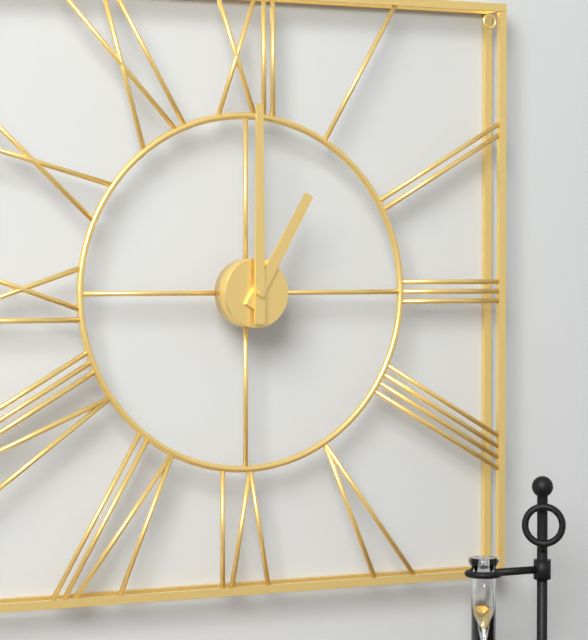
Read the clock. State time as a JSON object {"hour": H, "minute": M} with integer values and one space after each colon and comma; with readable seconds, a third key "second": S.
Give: {"hour": 1, "minute": 0}
